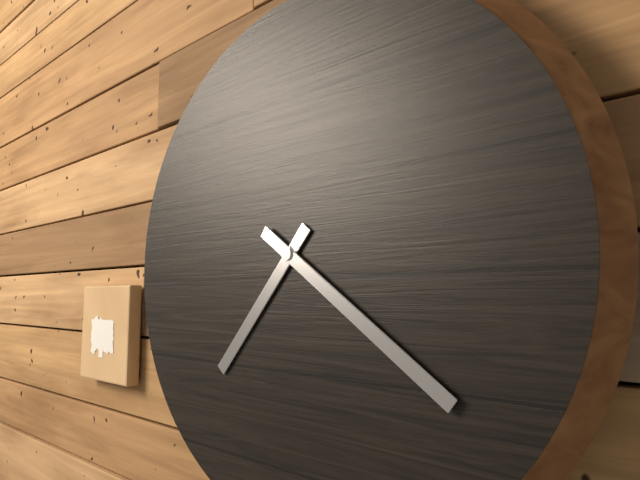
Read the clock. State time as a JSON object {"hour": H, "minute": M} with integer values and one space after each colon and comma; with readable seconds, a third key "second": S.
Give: {"hour": 7, "minute": 21}
